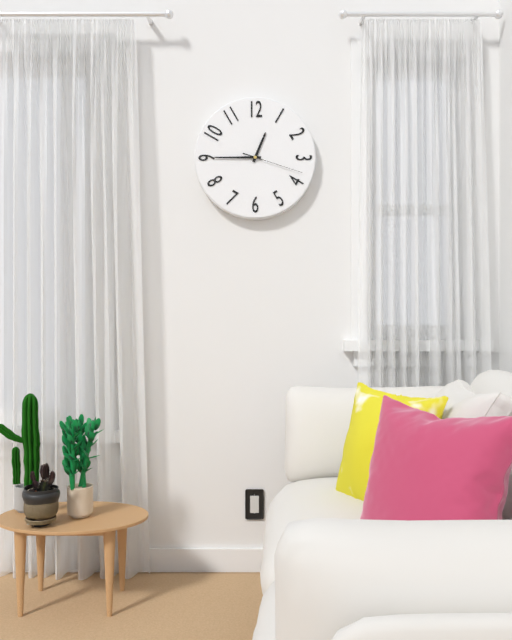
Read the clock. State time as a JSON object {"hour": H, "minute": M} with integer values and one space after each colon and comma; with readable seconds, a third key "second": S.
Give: {"hour": 12, "minute": 45, "second": 18}
